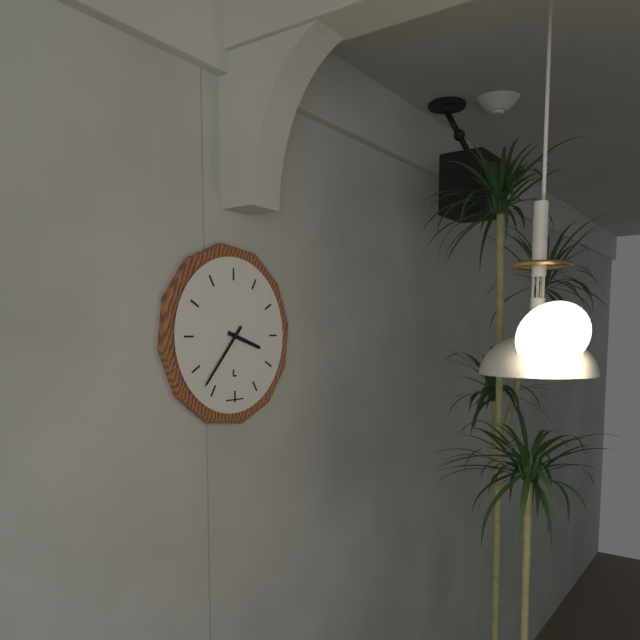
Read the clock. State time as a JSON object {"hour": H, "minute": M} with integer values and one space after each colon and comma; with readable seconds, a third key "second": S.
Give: {"hour": 3, "minute": 37}
